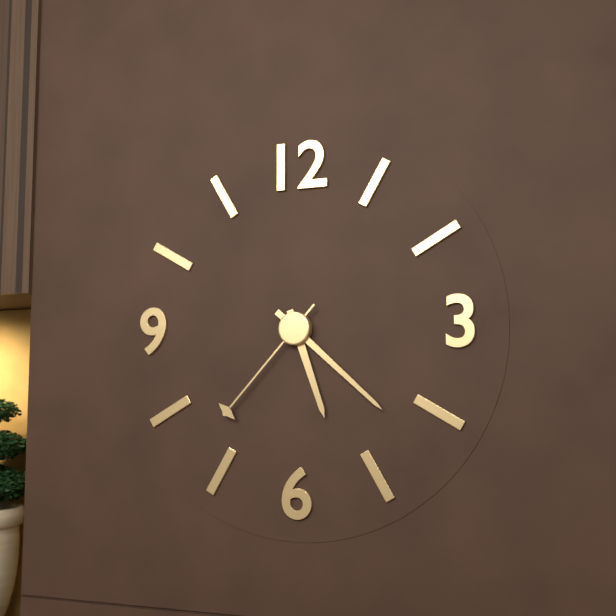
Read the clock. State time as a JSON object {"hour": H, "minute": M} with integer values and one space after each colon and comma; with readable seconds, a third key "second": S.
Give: {"hour": 5, "minute": 22, "second": 37}
